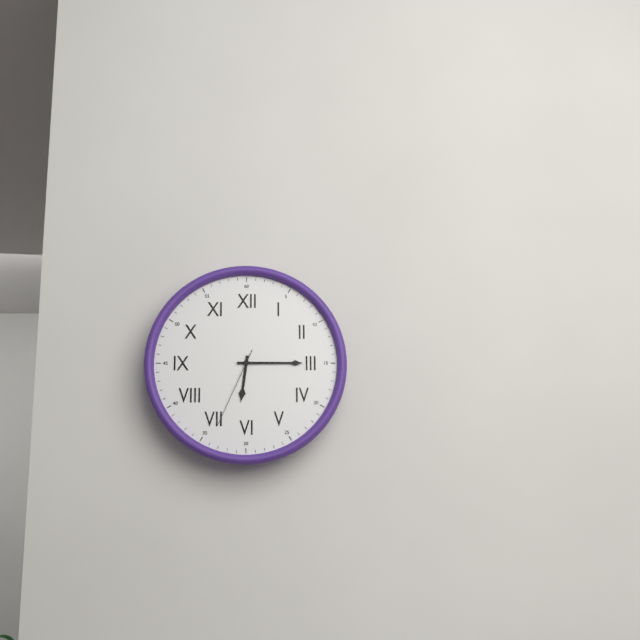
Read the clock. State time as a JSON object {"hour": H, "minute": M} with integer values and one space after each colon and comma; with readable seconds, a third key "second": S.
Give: {"hour": 6, "minute": 15, "second": 34}
